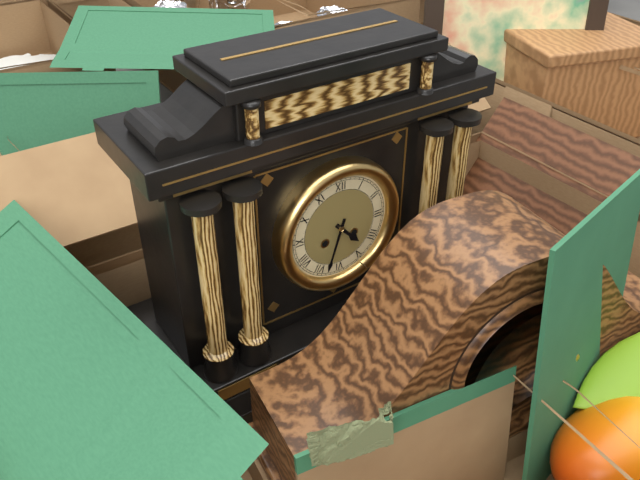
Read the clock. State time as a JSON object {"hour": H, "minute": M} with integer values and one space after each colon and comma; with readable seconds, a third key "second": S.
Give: {"hour": 4, "minute": 33}
